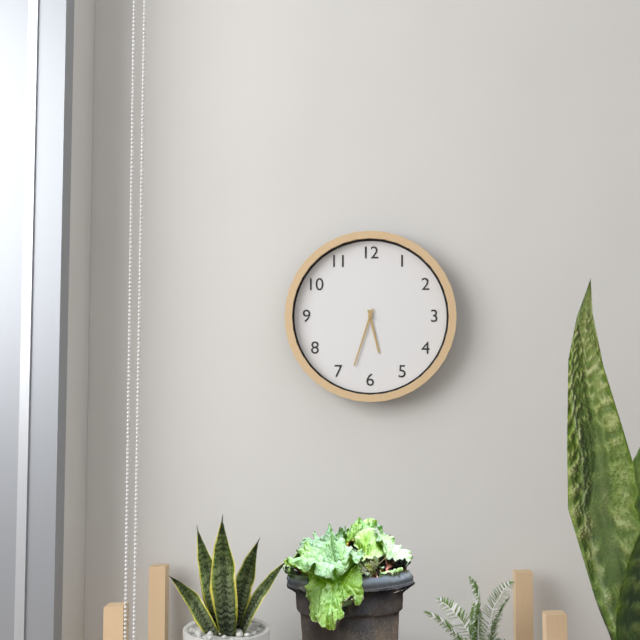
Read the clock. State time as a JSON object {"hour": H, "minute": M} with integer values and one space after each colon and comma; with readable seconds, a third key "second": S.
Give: {"hour": 5, "minute": 33}
